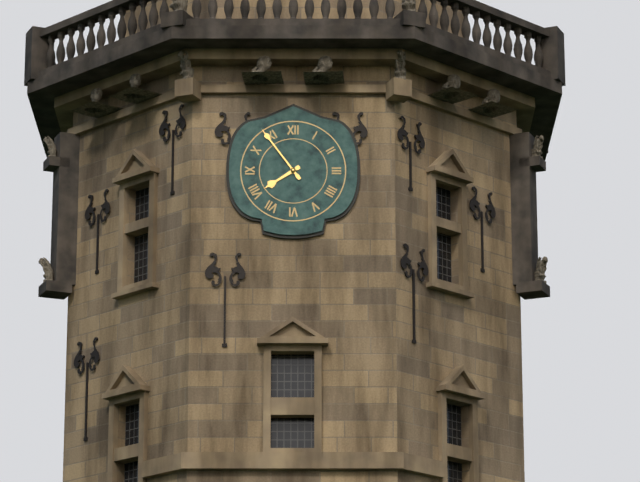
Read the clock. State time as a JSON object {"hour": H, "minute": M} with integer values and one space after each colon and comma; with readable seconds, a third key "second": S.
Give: {"hour": 7, "minute": 54}
